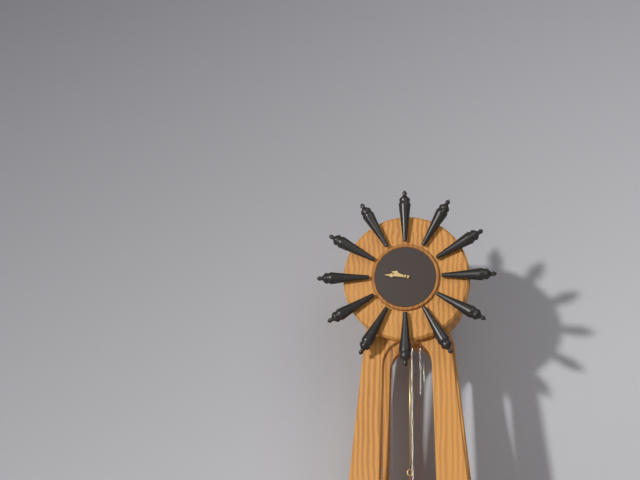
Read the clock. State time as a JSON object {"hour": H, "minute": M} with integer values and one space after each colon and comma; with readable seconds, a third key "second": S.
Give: {"hour": 9, "minute": 46}
